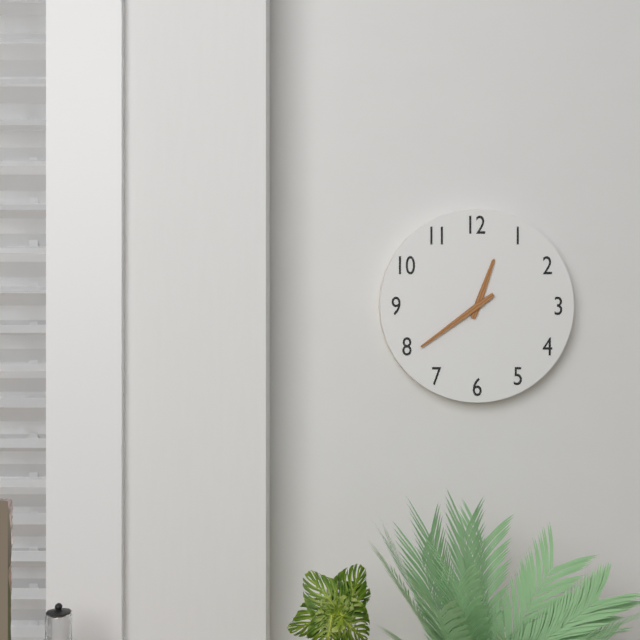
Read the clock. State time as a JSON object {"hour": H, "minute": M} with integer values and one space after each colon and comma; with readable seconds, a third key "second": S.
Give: {"hour": 12, "minute": 39}
